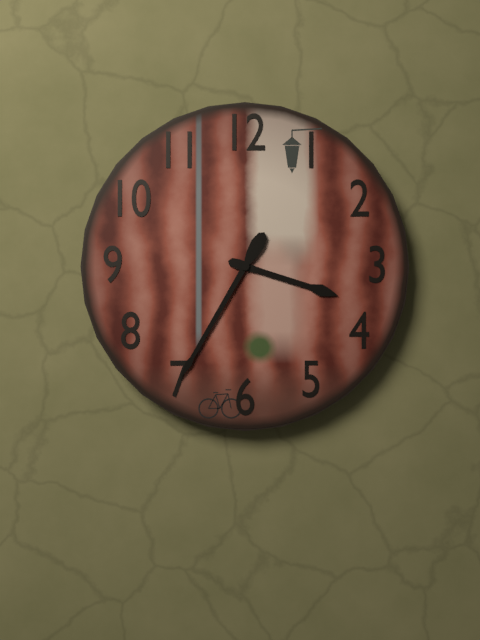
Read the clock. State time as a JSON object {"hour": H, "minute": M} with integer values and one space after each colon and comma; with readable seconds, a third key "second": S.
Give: {"hour": 3, "minute": 35}
